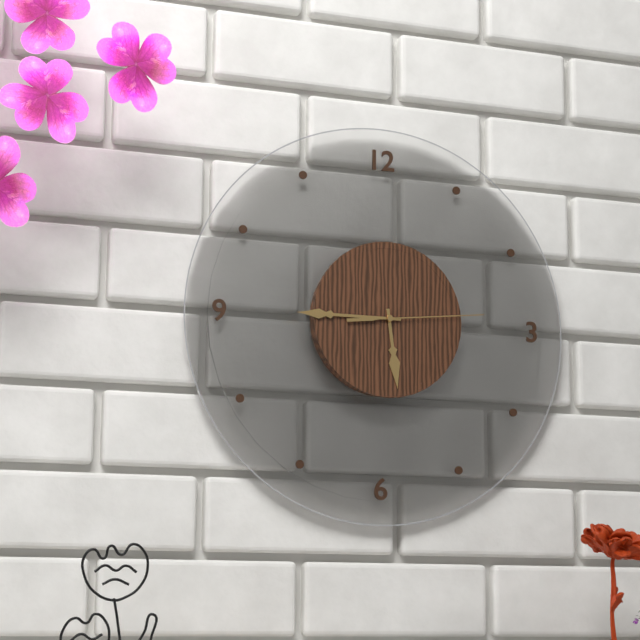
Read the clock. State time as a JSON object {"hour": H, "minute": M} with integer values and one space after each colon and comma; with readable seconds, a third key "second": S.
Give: {"hour": 5, "minute": 45, "second": 14}
